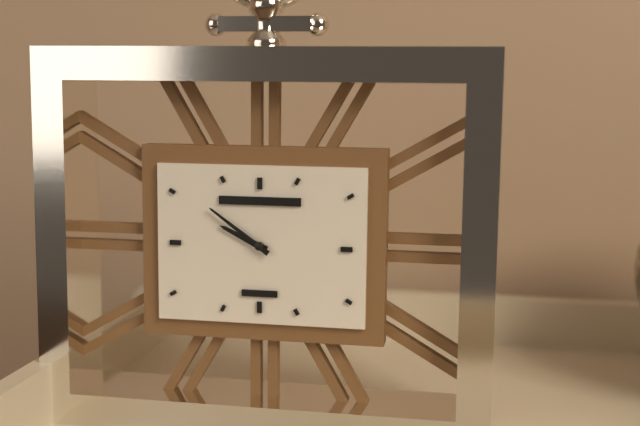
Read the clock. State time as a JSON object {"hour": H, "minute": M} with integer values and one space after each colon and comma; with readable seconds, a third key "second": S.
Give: {"hour": 9, "minute": 51}
